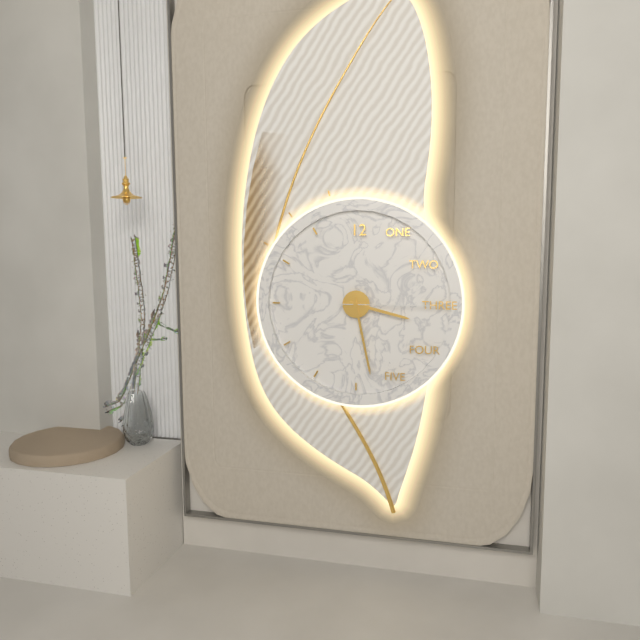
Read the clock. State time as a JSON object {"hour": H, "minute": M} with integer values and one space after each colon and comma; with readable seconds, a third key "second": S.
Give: {"hour": 3, "minute": 28, "second": 15}
